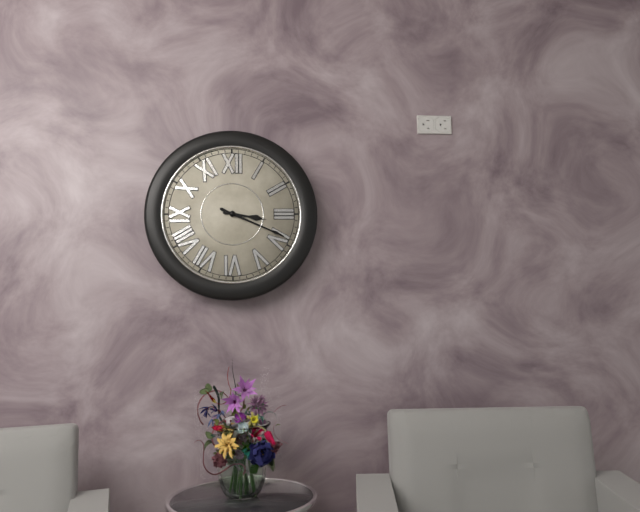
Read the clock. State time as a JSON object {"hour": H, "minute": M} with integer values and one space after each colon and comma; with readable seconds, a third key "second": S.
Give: {"hour": 3, "minute": 19}
